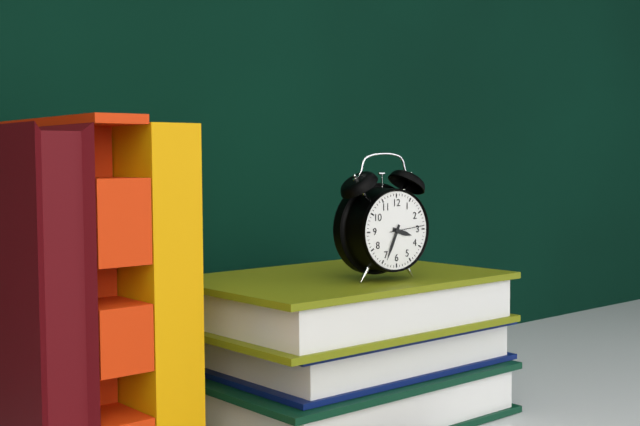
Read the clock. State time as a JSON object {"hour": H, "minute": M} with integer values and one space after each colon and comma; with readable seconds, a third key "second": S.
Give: {"hour": 3, "minute": 34}
